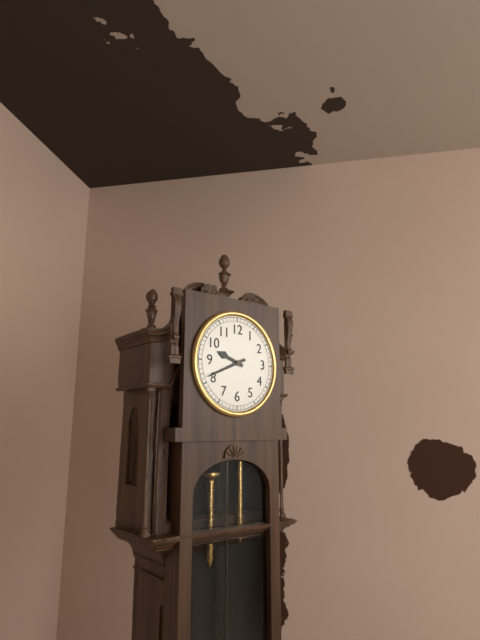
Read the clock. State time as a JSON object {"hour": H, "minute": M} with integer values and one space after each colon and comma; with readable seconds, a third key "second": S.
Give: {"hour": 9, "minute": 41}
